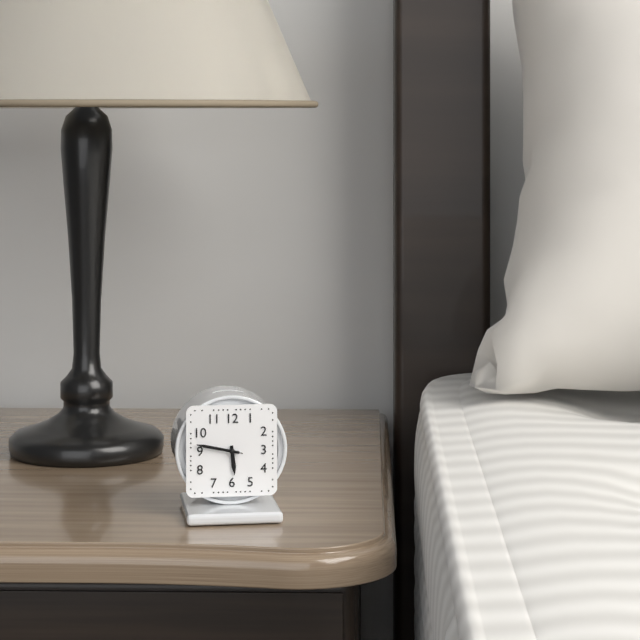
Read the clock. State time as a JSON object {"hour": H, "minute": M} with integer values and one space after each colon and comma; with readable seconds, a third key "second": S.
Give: {"hour": 5, "minute": 47}
